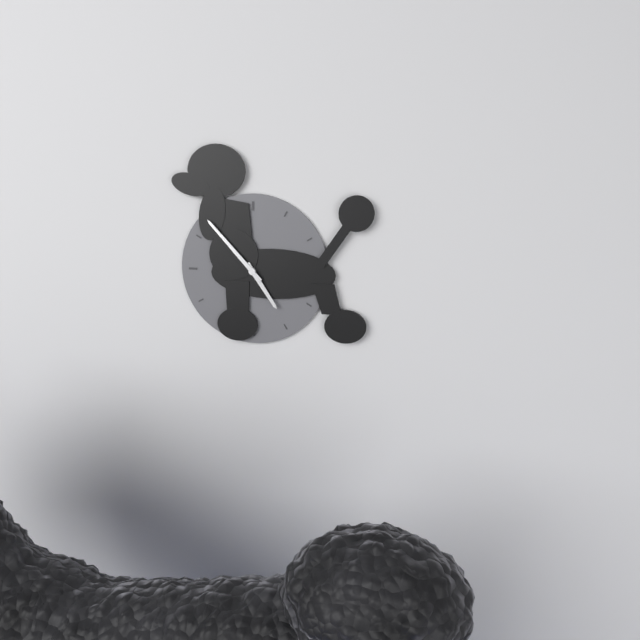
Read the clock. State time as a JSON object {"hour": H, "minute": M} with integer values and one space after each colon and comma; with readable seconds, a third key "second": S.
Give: {"hour": 4, "minute": 53}
